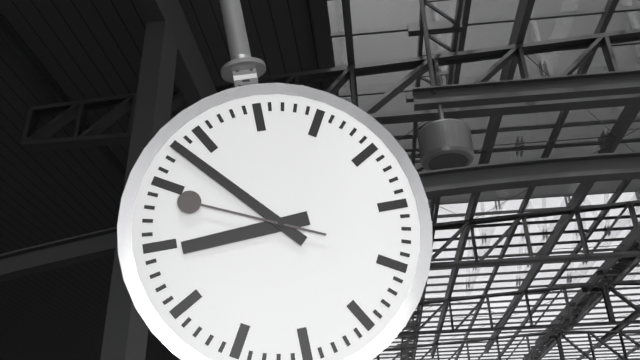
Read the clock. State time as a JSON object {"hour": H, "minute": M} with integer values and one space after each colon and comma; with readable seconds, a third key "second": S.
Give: {"hour": 8, "minute": 53, "second": 49}
